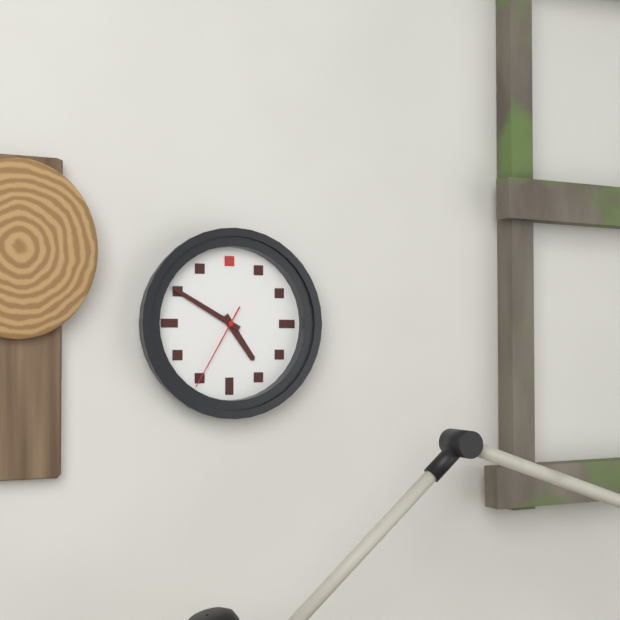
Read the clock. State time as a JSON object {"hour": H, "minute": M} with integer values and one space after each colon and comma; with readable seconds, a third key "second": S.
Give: {"hour": 4, "minute": 50, "second": 35}
